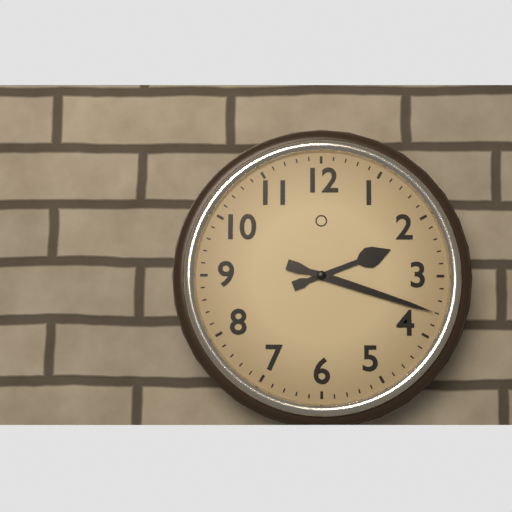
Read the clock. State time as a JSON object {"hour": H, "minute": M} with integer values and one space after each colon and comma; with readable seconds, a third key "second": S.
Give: {"hour": 2, "minute": 18}
